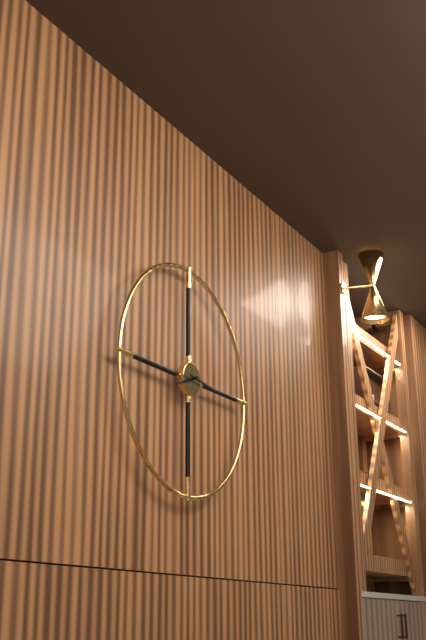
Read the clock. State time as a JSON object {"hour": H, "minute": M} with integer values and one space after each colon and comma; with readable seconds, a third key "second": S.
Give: {"hour": 8, "minute": 16}
